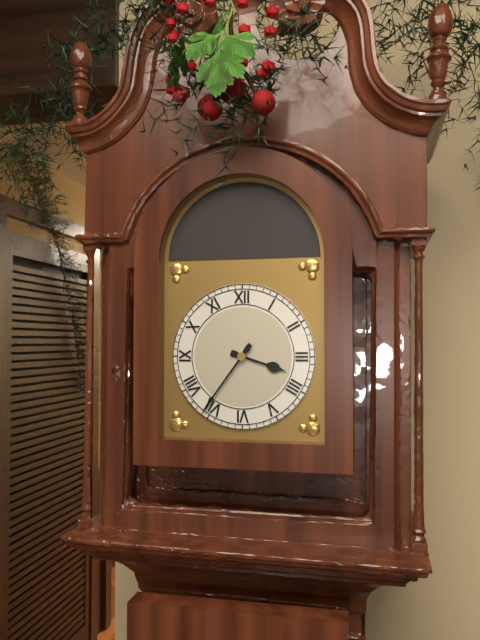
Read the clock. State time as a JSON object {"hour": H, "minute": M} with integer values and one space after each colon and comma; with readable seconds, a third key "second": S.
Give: {"hour": 3, "minute": 36}
